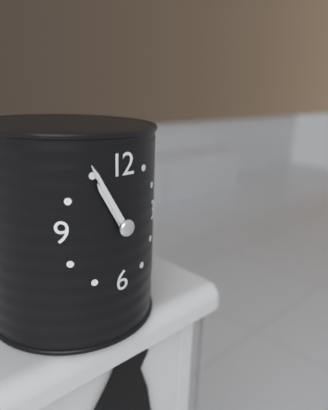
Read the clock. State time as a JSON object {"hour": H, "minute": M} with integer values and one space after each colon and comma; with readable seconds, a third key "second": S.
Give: {"hour": 10, "minute": 55}
